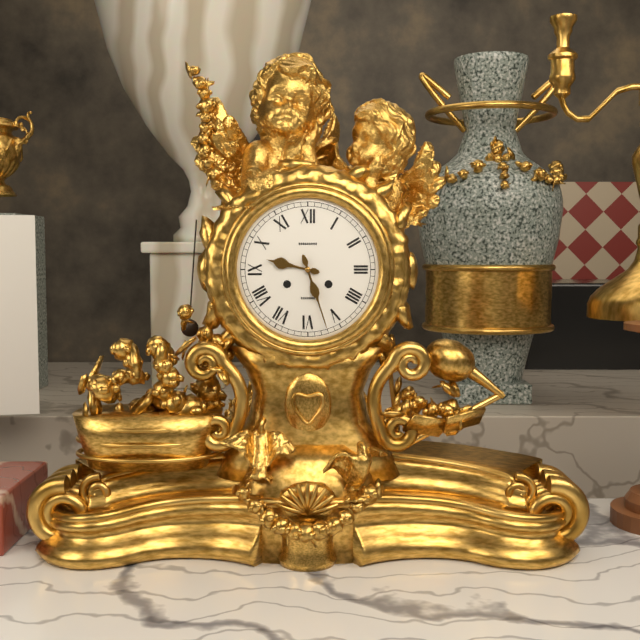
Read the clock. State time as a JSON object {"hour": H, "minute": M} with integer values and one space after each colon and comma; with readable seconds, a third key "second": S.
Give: {"hour": 9, "minute": 27}
